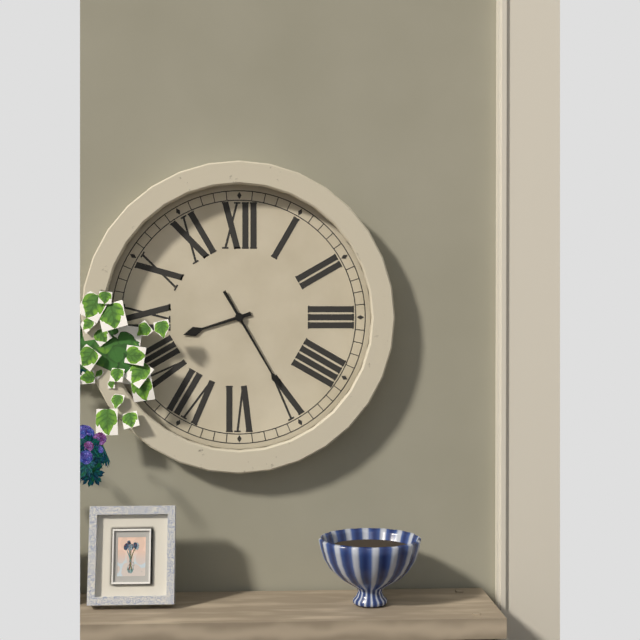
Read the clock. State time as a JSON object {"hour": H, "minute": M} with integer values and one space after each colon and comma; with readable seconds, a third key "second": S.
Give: {"hour": 8, "minute": 25}
